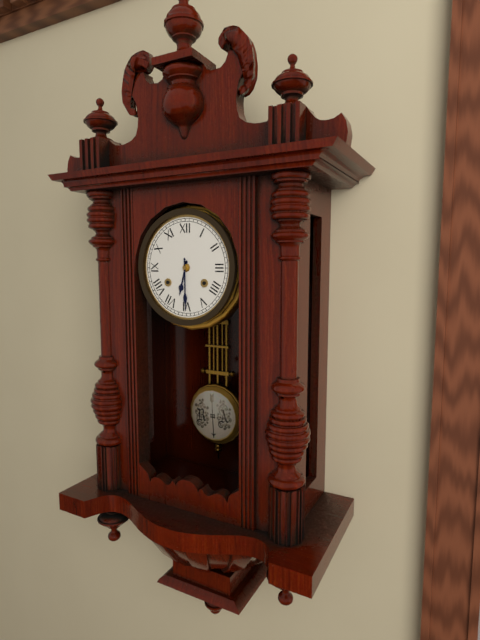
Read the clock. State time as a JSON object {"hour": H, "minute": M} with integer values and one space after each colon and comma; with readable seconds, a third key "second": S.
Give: {"hour": 6, "minute": 30}
